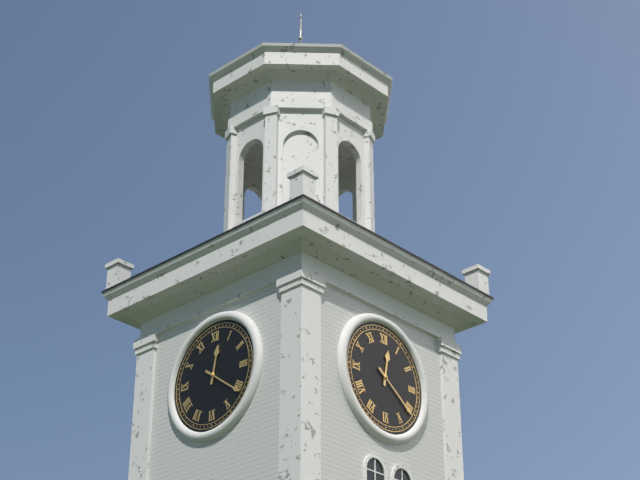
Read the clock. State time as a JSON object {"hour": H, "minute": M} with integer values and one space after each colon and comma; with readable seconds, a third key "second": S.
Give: {"hour": 12, "minute": 21}
